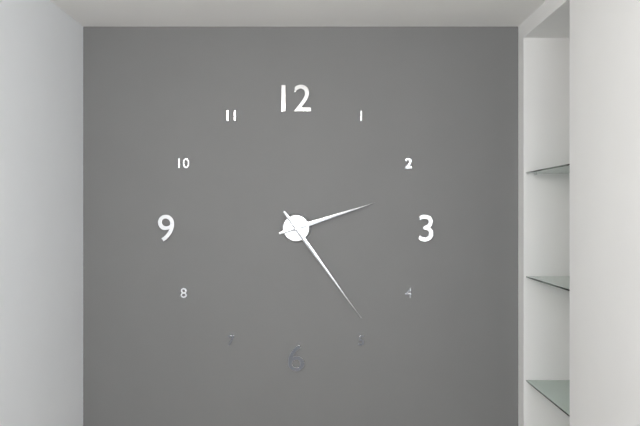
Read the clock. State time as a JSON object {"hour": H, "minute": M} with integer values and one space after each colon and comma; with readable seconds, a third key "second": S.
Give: {"hour": 2, "minute": 24}
